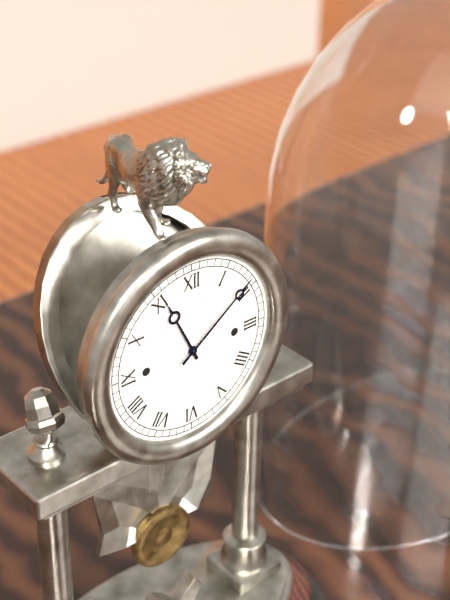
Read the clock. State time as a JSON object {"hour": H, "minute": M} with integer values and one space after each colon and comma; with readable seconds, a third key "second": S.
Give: {"hour": 11, "minute": 9}
